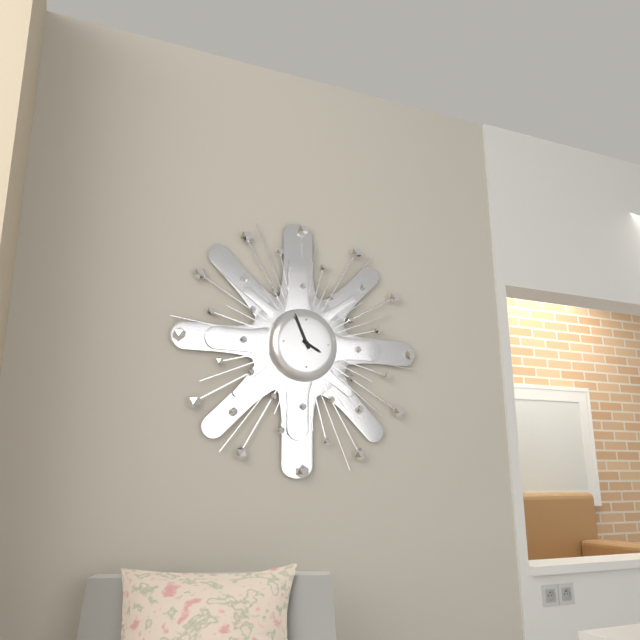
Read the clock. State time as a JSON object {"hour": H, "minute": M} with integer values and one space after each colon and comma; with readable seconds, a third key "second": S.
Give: {"hour": 3, "minute": 56}
